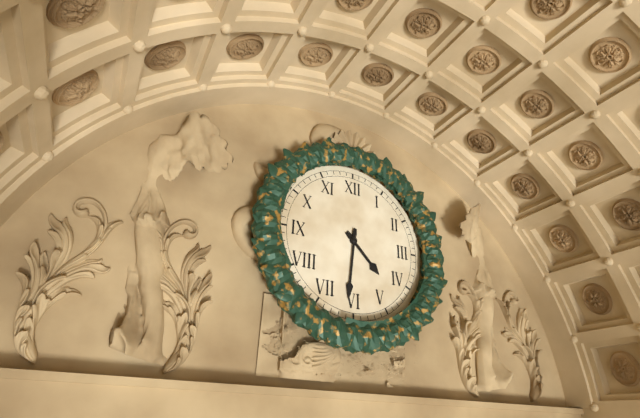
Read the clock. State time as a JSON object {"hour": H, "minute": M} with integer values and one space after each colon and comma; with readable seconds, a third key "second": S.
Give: {"hour": 4, "minute": 31}
